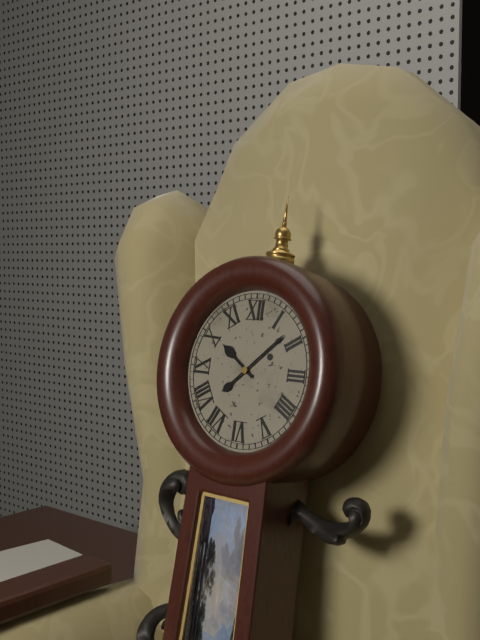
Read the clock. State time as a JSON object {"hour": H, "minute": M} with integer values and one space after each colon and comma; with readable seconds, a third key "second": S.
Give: {"hour": 10, "minute": 8}
